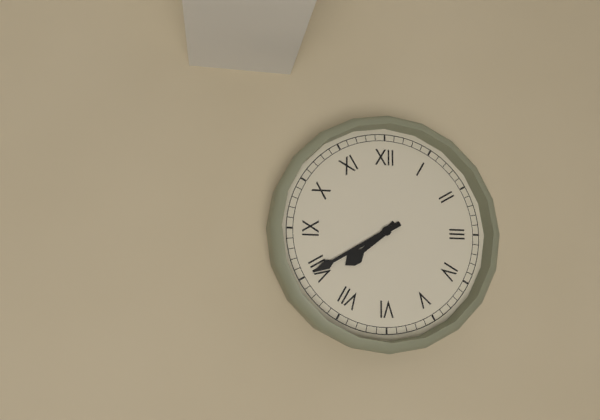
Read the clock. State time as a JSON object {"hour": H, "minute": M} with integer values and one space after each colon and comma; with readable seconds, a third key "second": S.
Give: {"hour": 7, "minute": 40}
